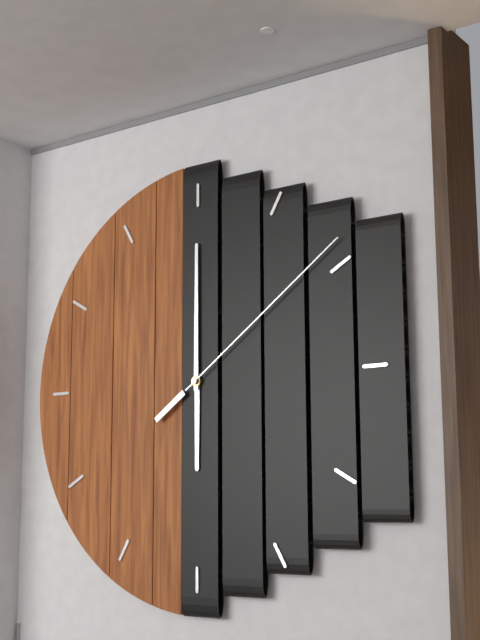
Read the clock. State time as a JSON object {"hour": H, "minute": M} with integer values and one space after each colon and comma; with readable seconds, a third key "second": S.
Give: {"hour": 6, "minute": 0, "second": 9}
